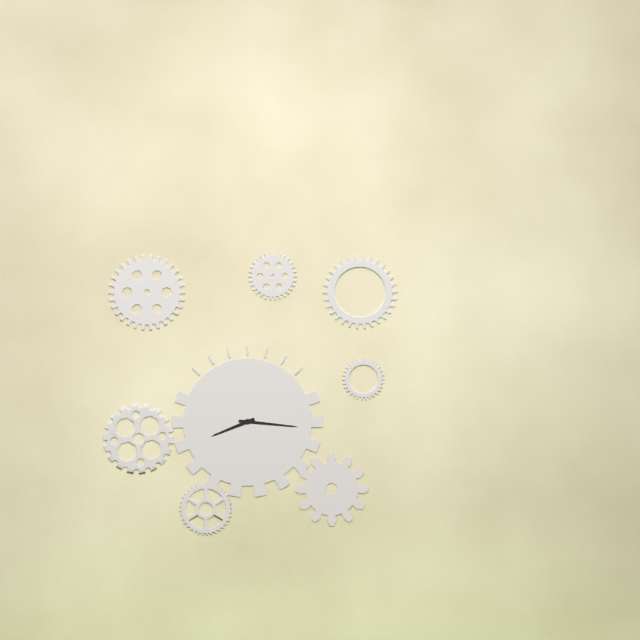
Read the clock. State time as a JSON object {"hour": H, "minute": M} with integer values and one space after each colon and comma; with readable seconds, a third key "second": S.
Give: {"hour": 8, "minute": 16}
